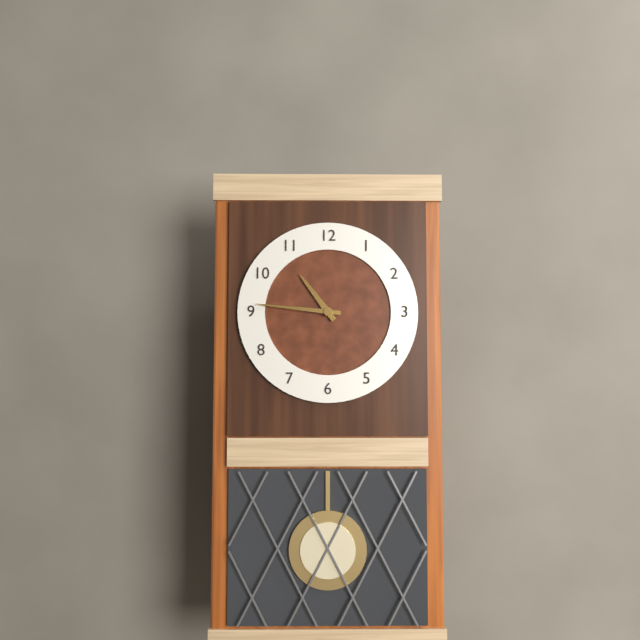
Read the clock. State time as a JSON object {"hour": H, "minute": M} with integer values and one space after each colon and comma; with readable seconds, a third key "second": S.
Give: {"hour": 10, "minute": 46}
